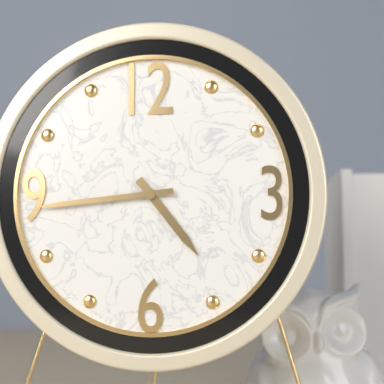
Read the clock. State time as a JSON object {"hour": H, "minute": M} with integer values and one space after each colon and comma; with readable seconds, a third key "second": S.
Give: {"hour": 4, "minute": 44}
